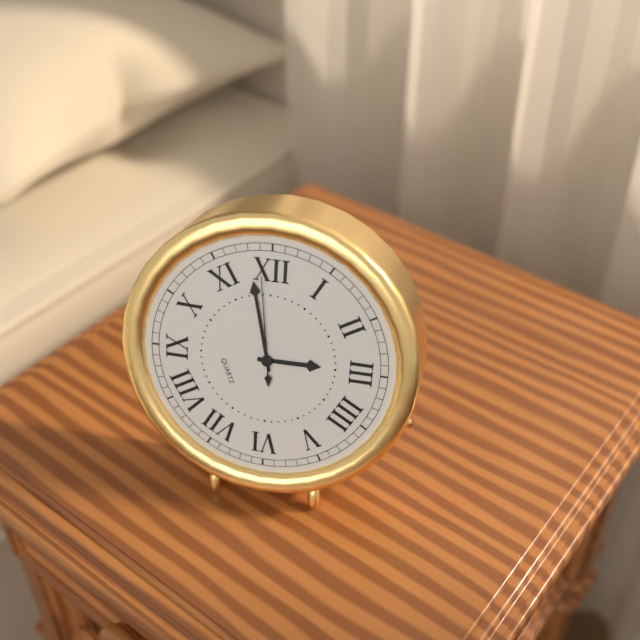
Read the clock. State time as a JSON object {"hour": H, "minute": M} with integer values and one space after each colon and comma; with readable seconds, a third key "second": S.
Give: {"hour": 2, "minute": 58, "second": 59}
